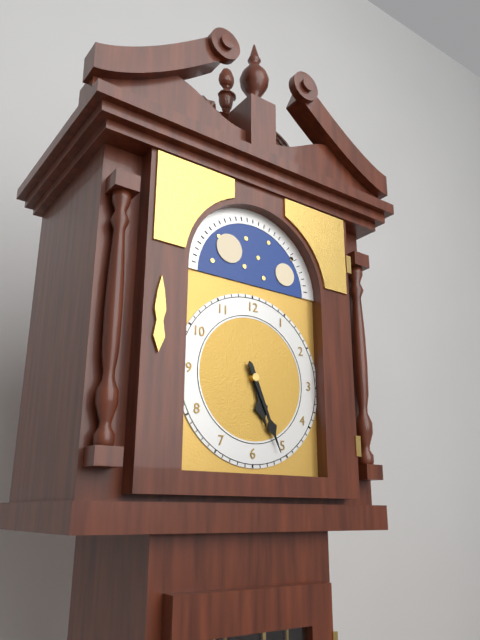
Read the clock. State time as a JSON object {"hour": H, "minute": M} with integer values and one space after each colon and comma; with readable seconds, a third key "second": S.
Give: {"hour": 5, "minute": 26}
